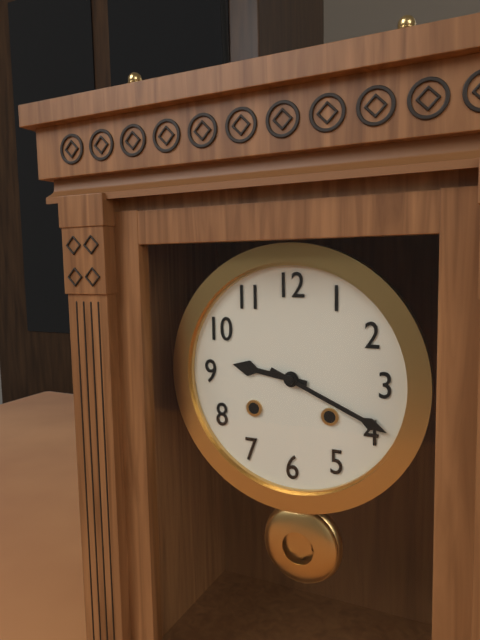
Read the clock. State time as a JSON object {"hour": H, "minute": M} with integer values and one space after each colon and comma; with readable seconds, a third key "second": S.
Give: {"hour": 9, "minute": 19}
